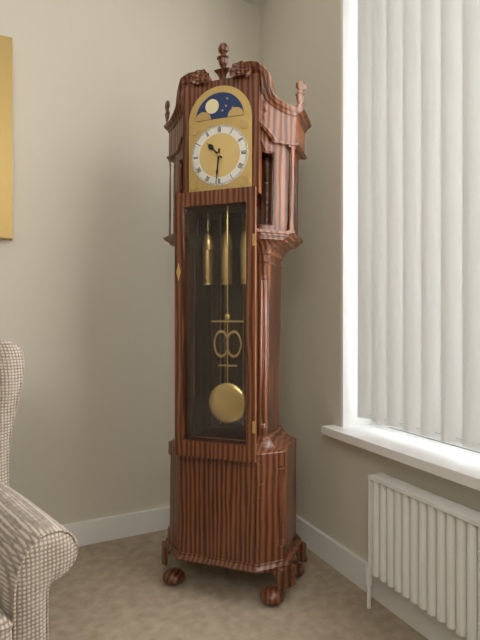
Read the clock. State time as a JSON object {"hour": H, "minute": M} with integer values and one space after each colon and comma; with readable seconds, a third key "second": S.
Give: {"hour": 10, "minute": 31}
